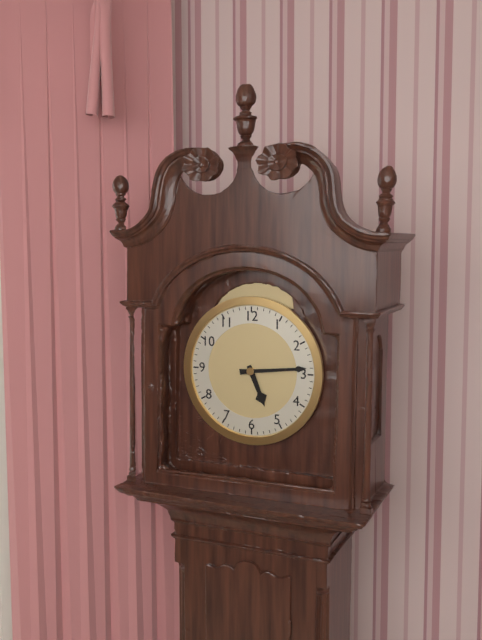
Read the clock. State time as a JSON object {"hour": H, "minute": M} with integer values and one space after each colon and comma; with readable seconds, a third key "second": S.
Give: {"hour": 5, "minute": 14}
